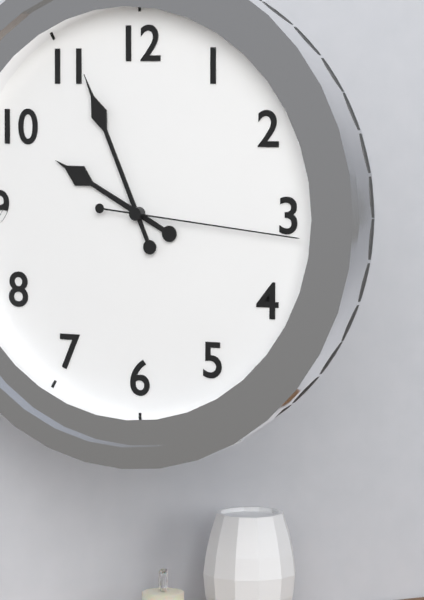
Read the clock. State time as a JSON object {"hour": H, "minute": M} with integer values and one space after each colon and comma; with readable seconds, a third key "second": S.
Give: {"hour": 9, "minute": 56, "second": 16}
